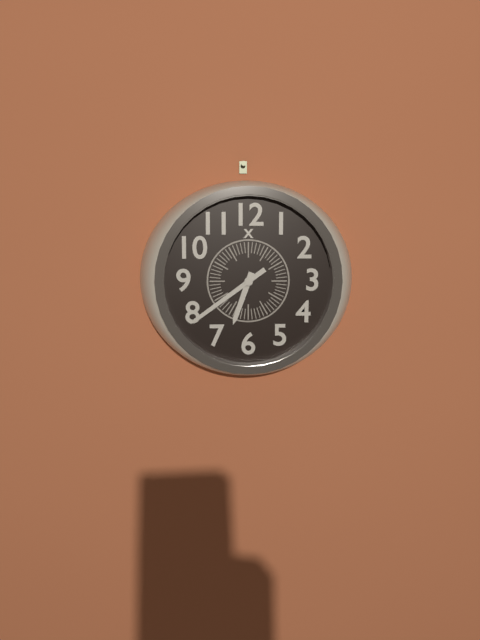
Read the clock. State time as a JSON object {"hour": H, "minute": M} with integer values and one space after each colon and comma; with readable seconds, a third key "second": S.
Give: {"hour": 6, "minute": 39}
